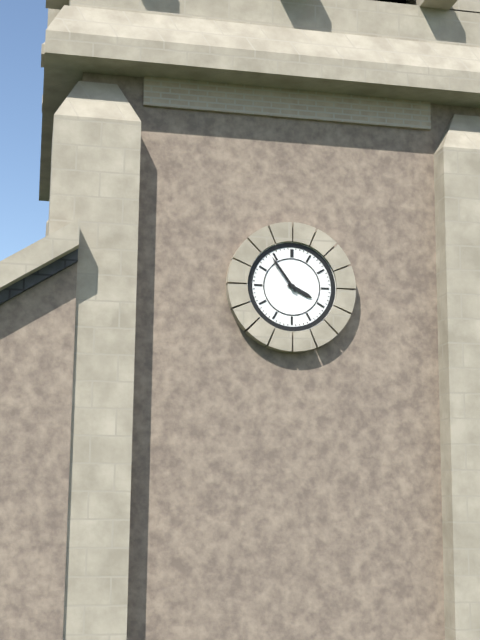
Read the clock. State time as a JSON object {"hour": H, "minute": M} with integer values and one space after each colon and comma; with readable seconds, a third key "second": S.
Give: {"hour": 3, "minute": 54}
